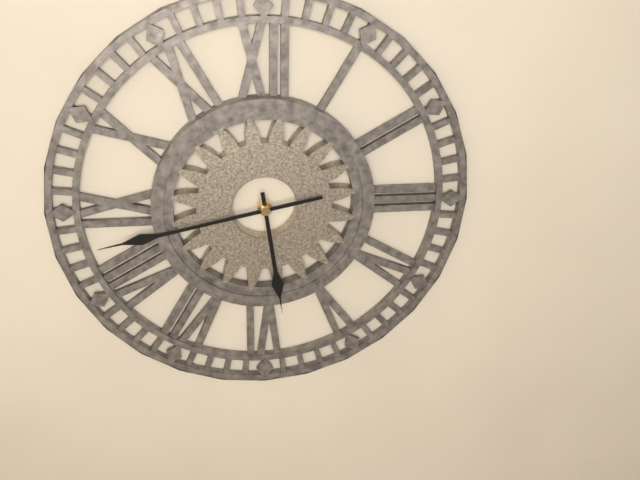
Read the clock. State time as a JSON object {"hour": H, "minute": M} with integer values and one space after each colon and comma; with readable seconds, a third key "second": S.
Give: {"hour": 5, "minute": 43}
